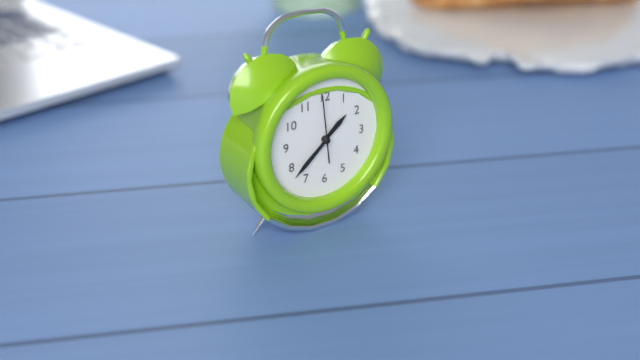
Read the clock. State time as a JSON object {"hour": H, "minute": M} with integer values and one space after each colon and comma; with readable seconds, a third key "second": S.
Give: {"hour": 1, "minute": 38, "second": 59}
